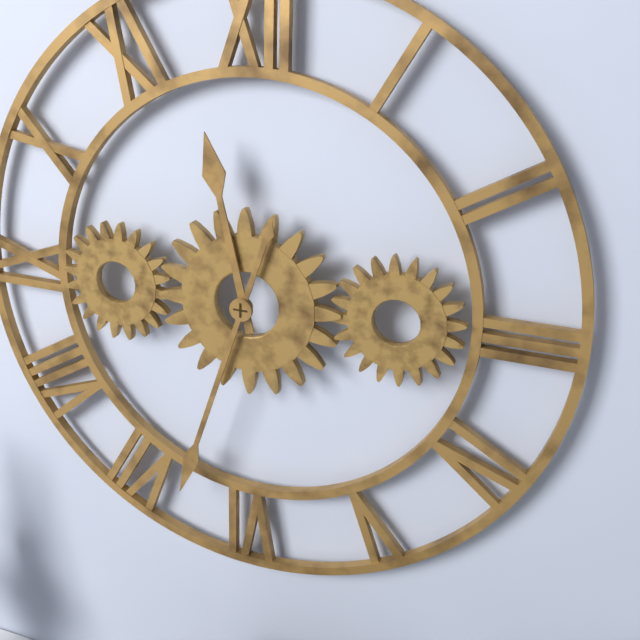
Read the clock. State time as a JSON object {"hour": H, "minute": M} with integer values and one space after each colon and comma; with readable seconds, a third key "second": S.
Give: {"hour": 11, "minute": 33}
